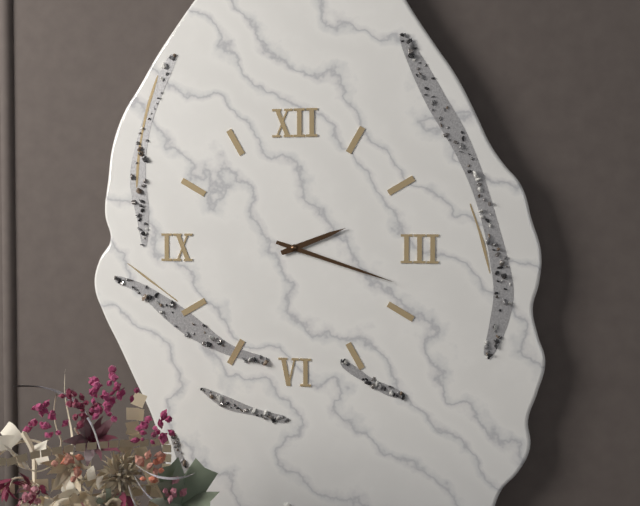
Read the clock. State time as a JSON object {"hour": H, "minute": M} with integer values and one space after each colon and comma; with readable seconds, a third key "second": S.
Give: {"hour": 2, "minute": 18}
